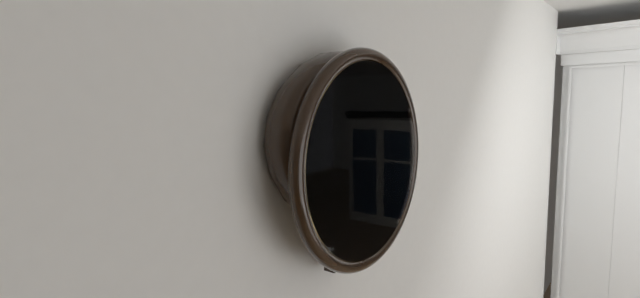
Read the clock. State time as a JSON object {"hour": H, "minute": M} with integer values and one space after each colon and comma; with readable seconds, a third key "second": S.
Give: {"hour": 9, "minute": 47, "second": 35}
